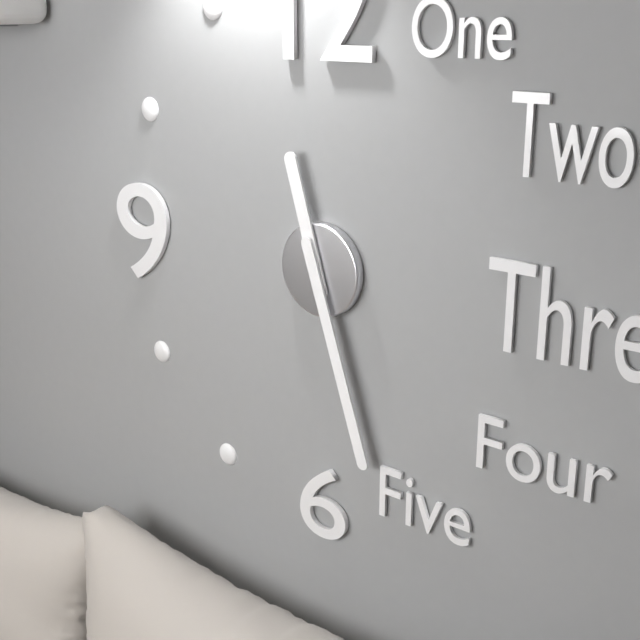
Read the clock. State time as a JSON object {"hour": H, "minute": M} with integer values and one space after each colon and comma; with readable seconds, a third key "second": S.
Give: {"hour": 11, "minute": 27}
